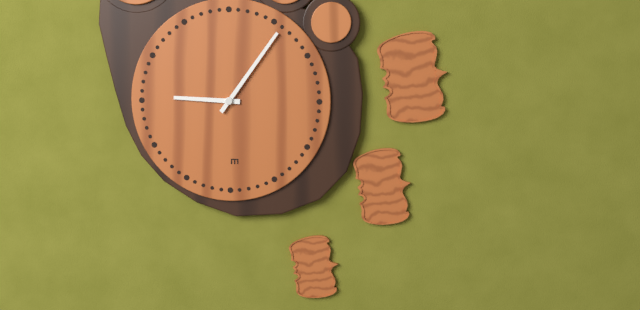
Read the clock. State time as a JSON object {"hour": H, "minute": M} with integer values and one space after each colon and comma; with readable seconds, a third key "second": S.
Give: {"hour": 9, "minute": 6}
